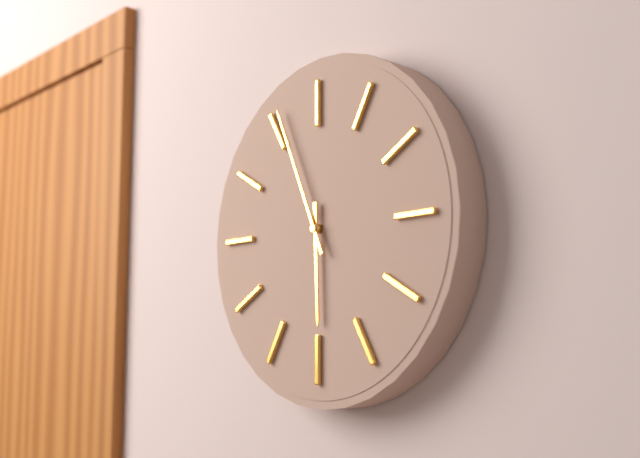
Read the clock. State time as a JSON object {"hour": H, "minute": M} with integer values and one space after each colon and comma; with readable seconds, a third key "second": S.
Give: {"hour": 5, "minute": 56}
